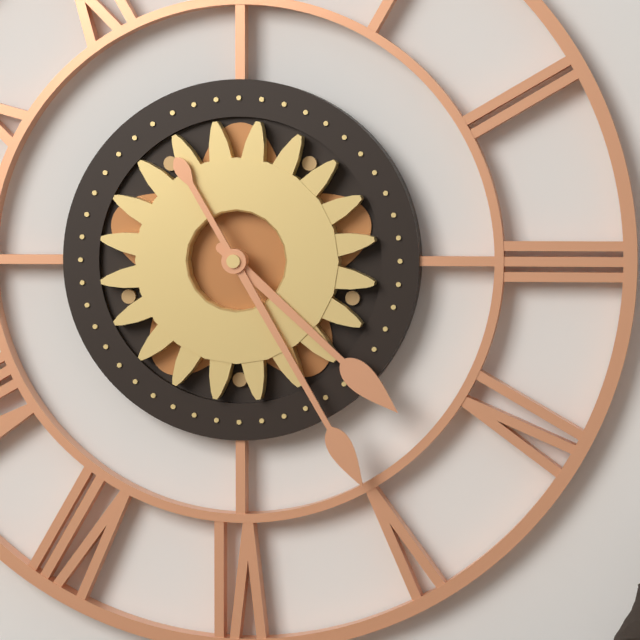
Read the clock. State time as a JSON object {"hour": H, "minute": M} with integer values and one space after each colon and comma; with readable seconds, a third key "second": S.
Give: {"hour": 4, "minute": 25}
